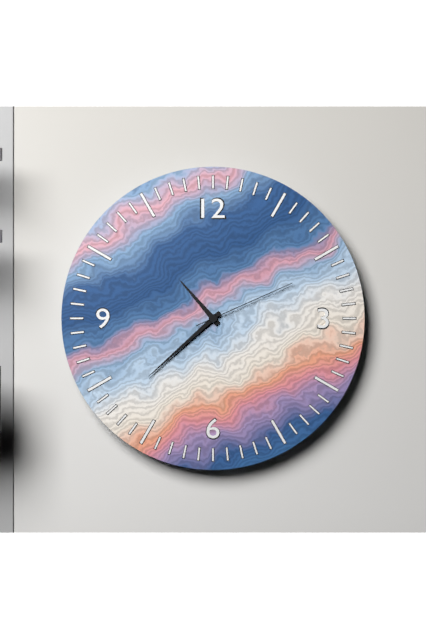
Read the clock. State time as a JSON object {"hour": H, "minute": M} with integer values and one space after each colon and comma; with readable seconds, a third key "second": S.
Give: {"hour": 10, "minute": 38, "second": 11}
